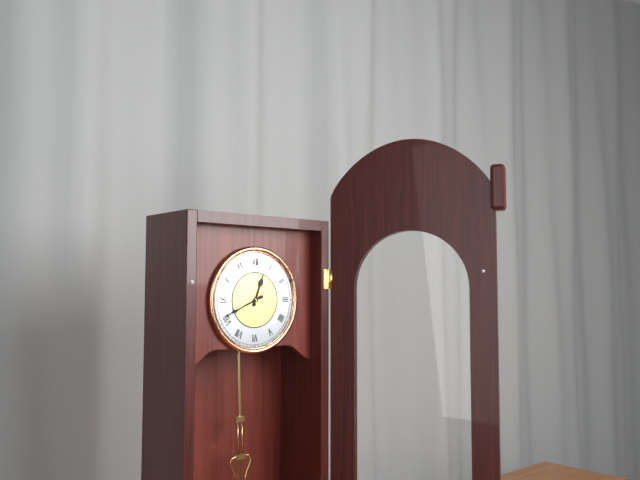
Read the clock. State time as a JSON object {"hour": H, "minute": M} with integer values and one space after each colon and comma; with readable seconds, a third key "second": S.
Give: {"hour": 12, "minute": 41}
